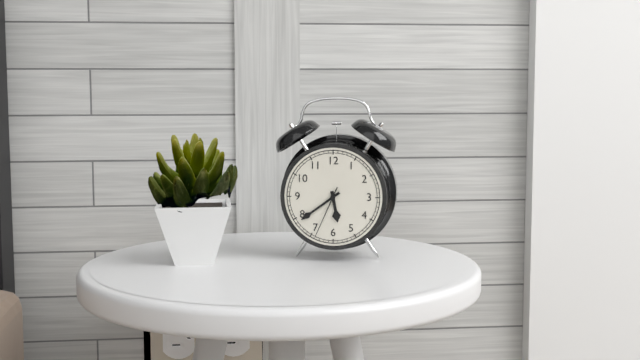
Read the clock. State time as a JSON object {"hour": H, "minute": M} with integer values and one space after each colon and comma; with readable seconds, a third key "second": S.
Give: {"hour": 5, "minute": 39, "second": 34}
